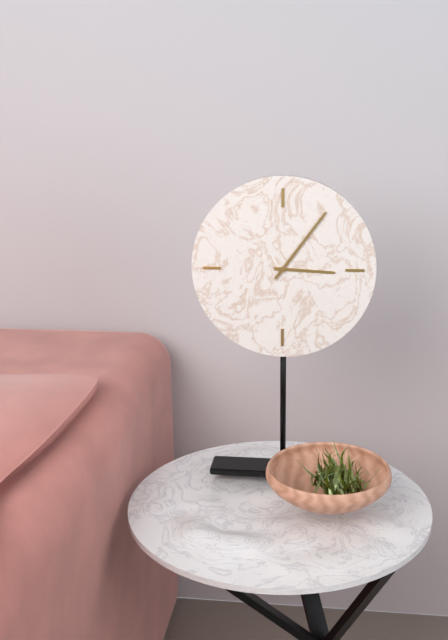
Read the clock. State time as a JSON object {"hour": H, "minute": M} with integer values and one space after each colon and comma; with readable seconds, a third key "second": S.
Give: {"hour": 3, "minute": 6}
